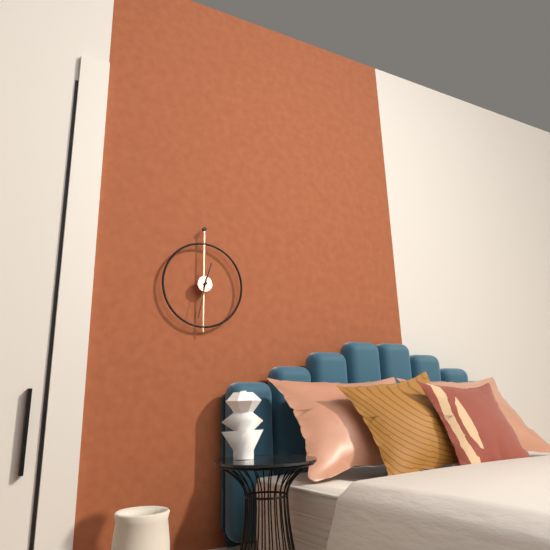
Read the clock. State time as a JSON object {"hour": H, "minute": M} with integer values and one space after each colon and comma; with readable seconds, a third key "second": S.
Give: {"hour": 12, "minute": 32}
